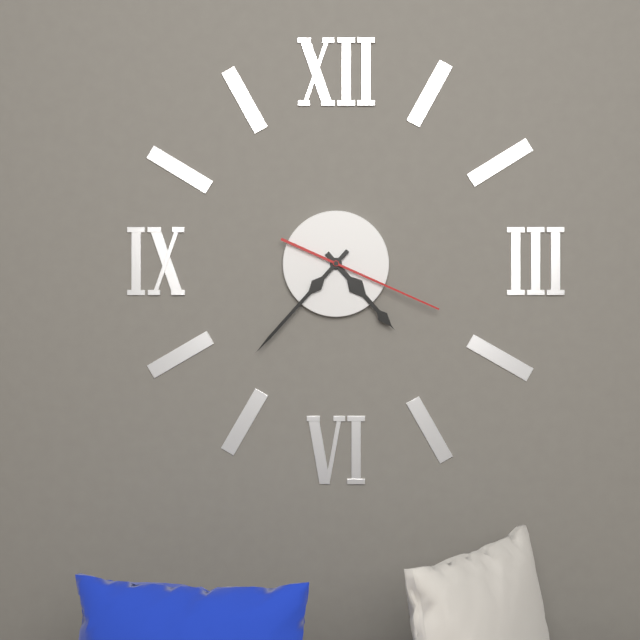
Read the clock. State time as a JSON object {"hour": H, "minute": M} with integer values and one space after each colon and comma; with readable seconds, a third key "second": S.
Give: {"hour": 4, "minute": 37, "second": 19}
